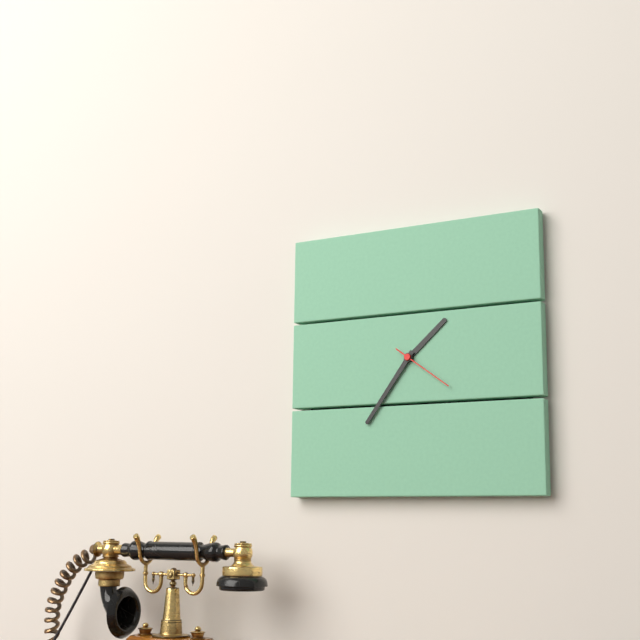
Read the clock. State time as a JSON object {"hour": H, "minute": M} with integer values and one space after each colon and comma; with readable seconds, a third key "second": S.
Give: {"hour": 1, "minute": 36, "second": 21}
